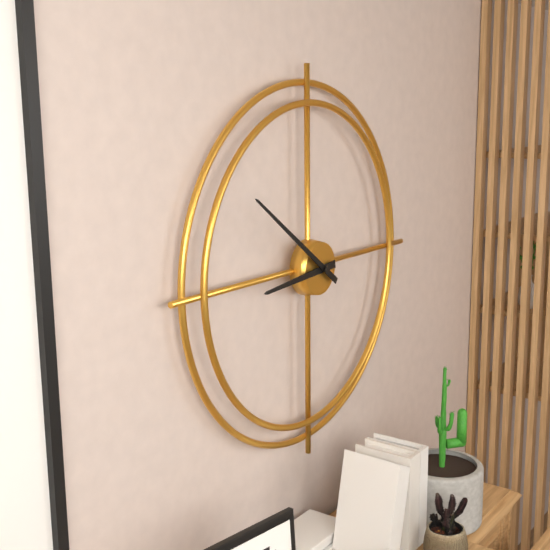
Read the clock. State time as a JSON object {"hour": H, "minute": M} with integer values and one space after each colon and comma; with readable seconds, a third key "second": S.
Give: {"hour": 8, "minute": 51}
